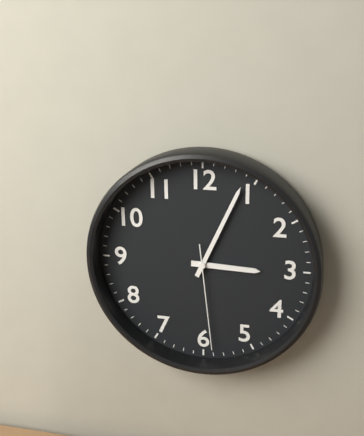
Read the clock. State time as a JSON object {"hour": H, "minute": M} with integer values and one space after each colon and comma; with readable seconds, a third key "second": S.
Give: {"hour": 3, "minute": 4, "second": 29}
